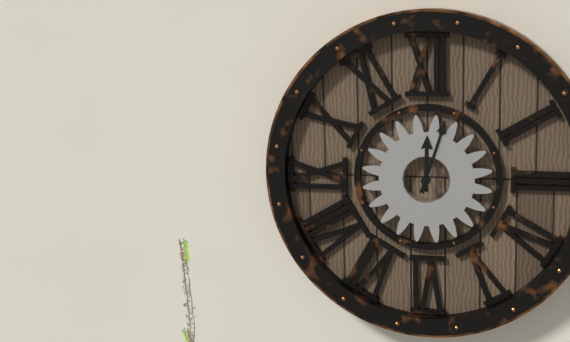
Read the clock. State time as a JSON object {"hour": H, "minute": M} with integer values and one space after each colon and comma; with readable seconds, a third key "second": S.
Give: {"hour": 12, "minute": 3}
